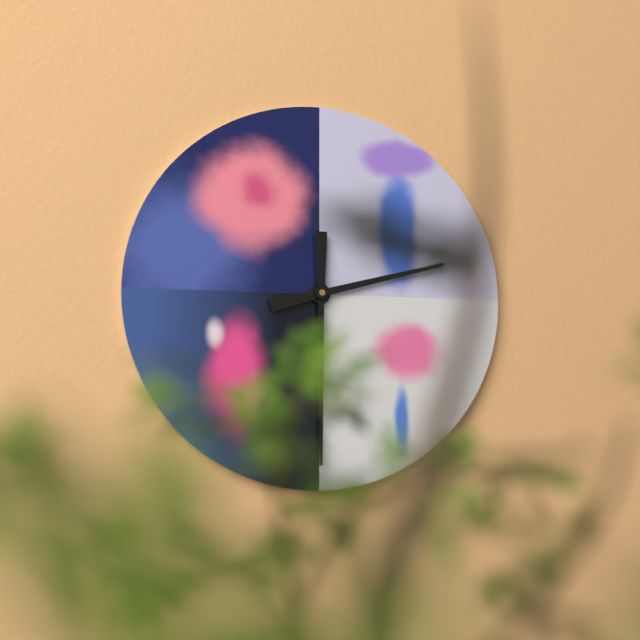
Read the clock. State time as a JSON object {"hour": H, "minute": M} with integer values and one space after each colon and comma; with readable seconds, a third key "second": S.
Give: {"hour": 2, "minute": 30}
